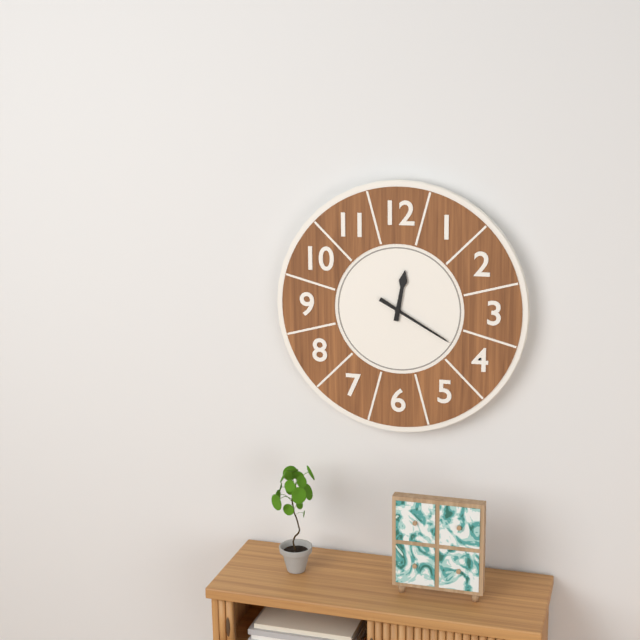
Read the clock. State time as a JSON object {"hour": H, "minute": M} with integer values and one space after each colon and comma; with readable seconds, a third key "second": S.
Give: {"hour": 12, "minute": 20}
